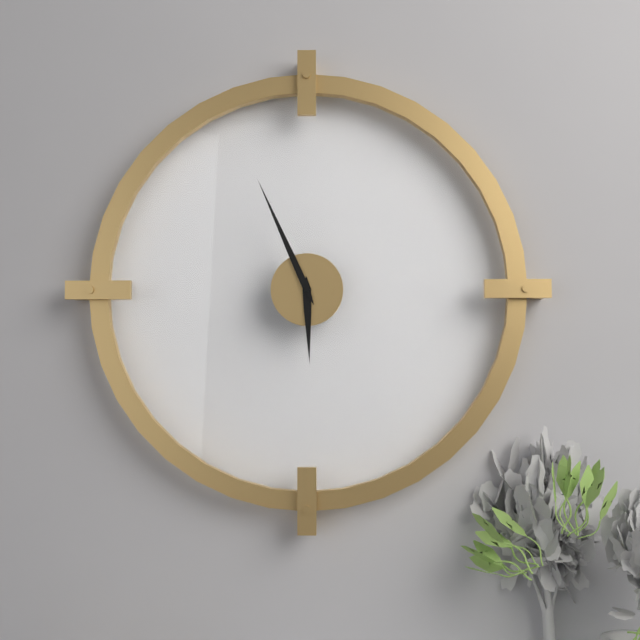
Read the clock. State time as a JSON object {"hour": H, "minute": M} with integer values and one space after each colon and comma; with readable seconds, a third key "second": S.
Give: {"hour": 5, "minute": 56}
